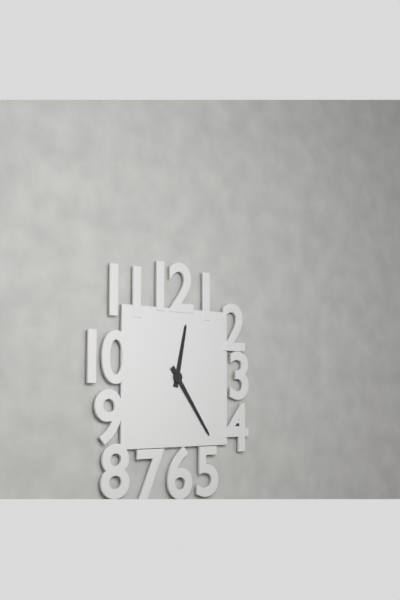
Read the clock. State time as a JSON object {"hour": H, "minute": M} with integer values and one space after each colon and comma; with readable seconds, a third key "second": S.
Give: {"hour": 12, "minute": 24}
